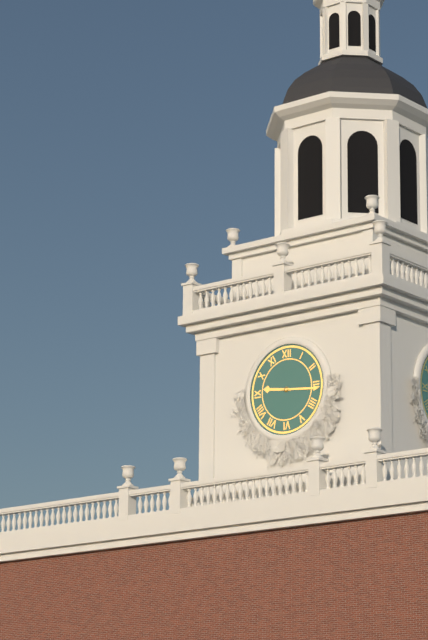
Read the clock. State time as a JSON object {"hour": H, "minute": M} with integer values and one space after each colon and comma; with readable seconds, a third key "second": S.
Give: {"hour": 9, "minute": 16}
